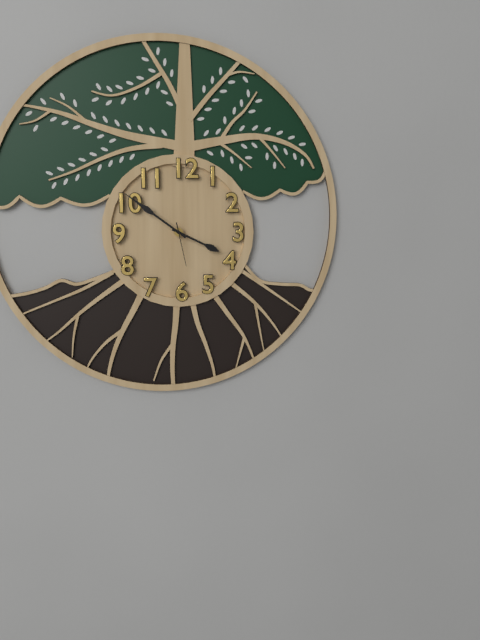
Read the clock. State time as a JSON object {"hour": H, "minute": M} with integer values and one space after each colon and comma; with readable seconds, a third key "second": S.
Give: {"hour": 3, "minute": 51}
